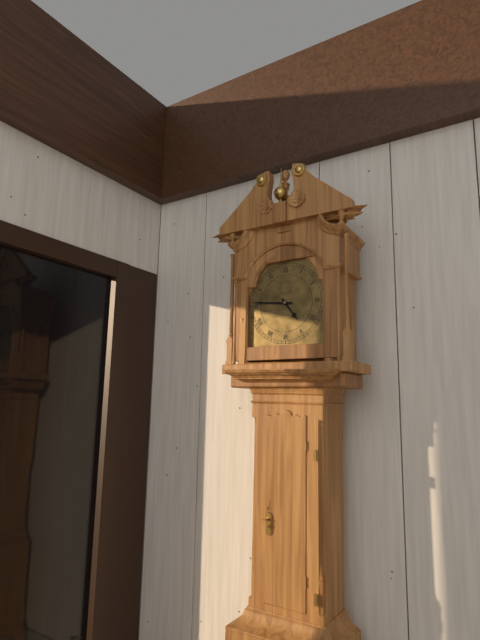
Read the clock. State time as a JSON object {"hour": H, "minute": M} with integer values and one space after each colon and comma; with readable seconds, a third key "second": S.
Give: {"hour": 4, "minute": 46}
